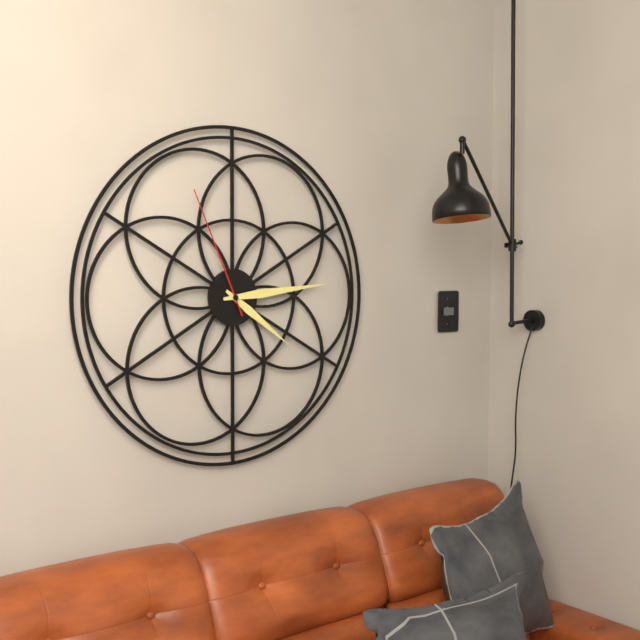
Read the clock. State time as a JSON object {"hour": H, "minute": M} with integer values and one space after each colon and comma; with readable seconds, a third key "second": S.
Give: {"hour": 4, "minute": 14, "second": 56}
